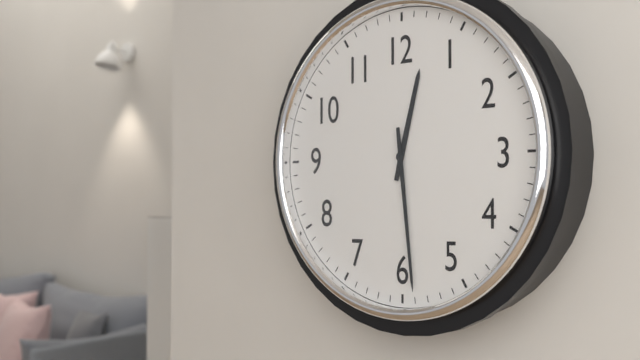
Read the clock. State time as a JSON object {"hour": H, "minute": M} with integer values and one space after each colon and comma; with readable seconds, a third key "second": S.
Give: {"hour": 12, "minute": 29}
